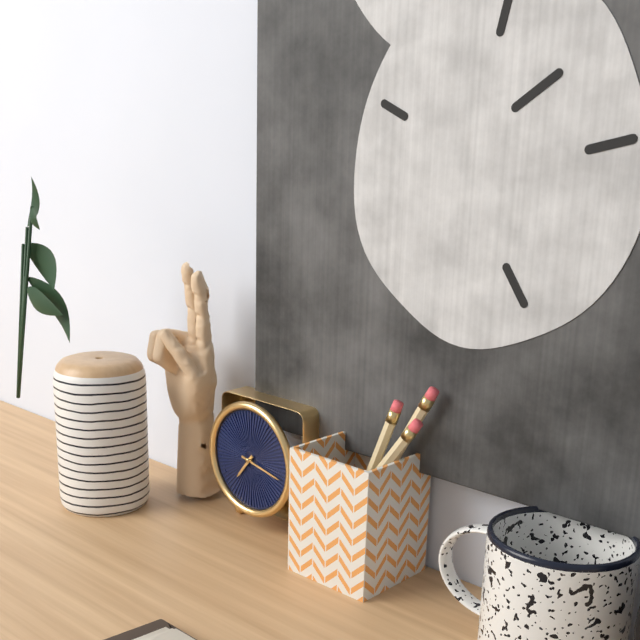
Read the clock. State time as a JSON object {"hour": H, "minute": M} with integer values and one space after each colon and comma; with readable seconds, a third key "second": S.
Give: {"hour": 7, "minute": 17}
